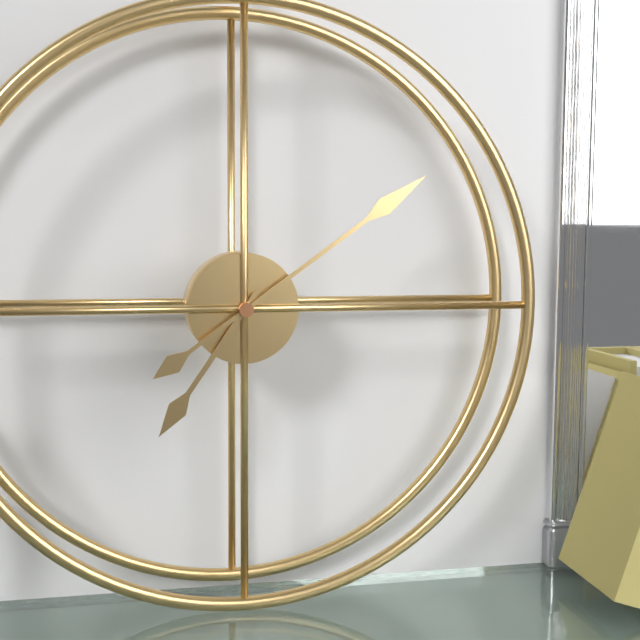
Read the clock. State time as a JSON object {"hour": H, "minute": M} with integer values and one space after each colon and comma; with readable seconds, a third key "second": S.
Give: {"hour": 7, "minute": 9}
